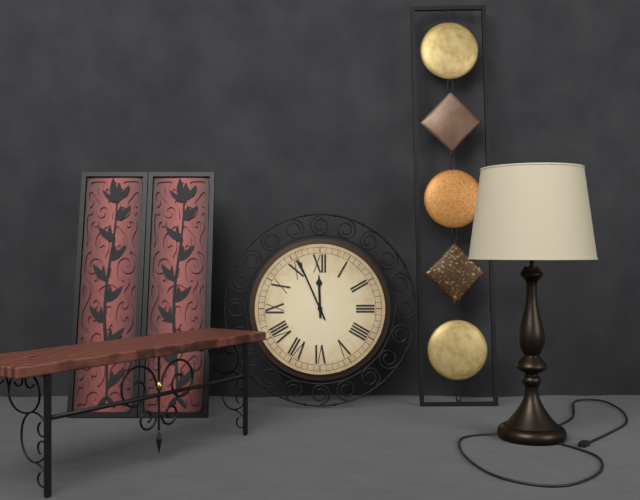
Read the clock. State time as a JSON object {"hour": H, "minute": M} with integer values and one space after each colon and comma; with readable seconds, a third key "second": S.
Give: {"hour": 11, "minute": 56}
